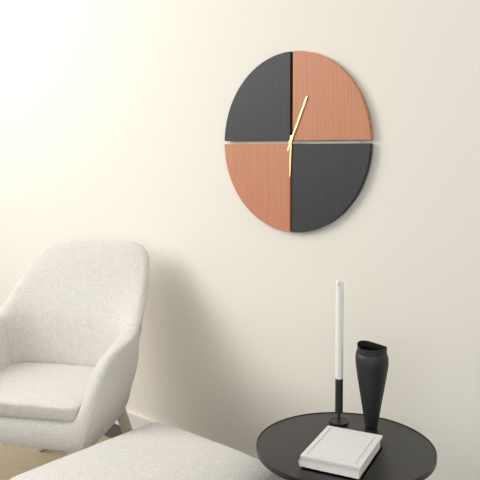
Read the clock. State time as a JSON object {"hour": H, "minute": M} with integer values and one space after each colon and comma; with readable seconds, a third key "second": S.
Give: {"hour": 6, "minute": 4}
